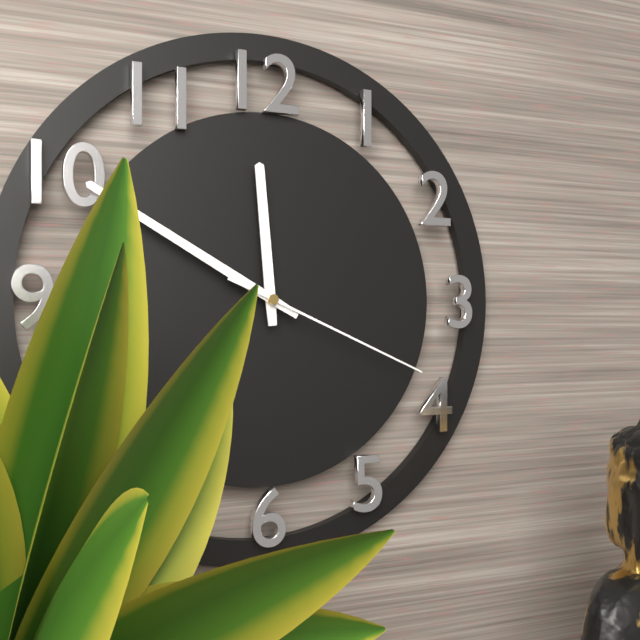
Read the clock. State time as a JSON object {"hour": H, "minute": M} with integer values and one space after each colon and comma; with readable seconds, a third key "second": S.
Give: {"hour": 11, "minute": 50, "second": 19}
